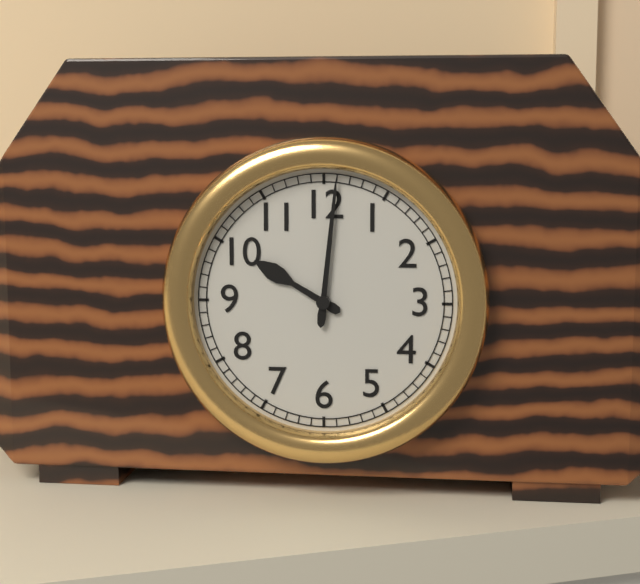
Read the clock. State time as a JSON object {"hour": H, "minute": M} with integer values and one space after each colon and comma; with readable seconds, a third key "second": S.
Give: {"hour": 10, "minute": 1}
